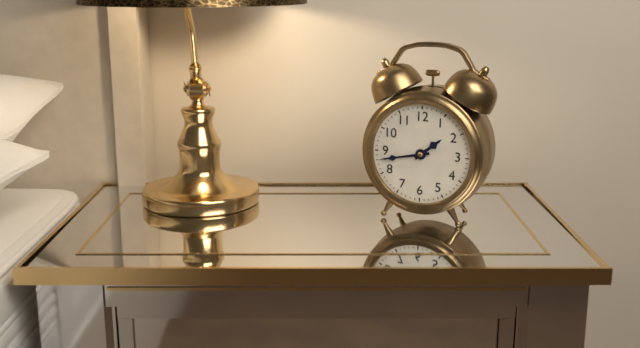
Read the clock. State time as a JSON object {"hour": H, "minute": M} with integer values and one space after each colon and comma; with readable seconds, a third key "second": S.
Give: {"hour": 1, "minute": 43}
